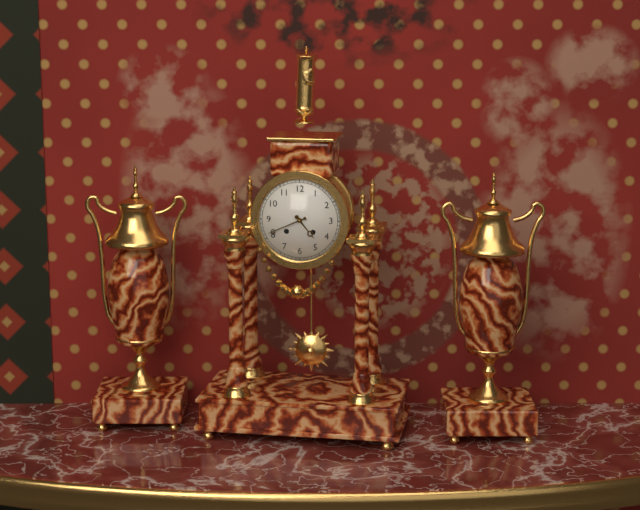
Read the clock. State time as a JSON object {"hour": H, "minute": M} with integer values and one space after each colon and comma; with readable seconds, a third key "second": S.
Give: {"hour": 4, "minute": 41}
